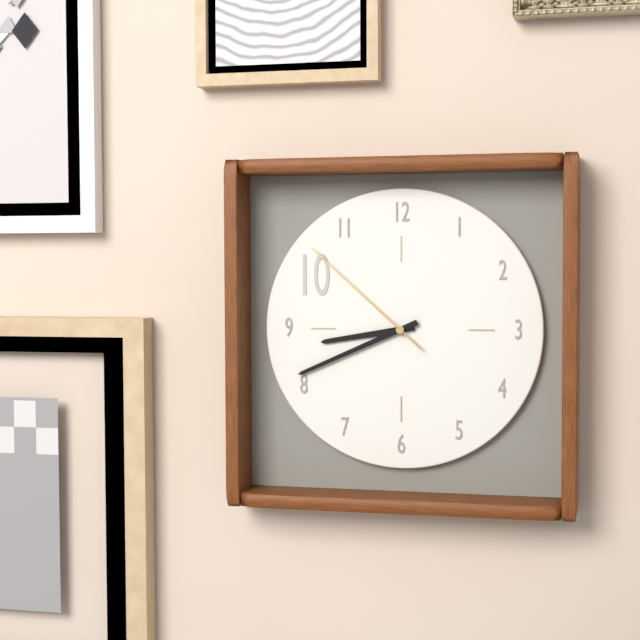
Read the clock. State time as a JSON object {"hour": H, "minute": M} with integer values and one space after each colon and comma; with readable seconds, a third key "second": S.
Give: {"hour": 8, "minute": 41, "second": 52}
